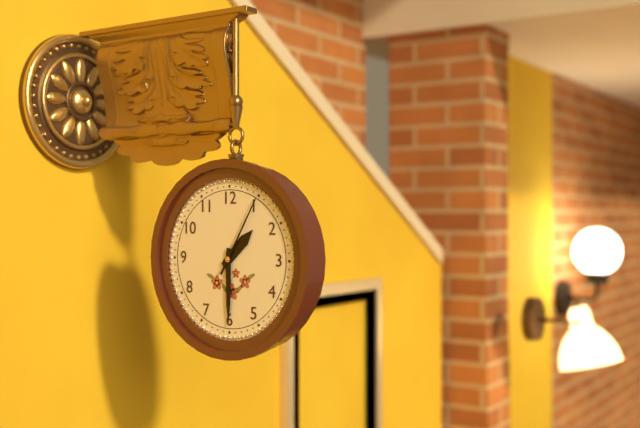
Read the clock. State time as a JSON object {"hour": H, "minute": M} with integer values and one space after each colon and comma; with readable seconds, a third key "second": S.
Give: {"hour": 1, "minute": 30, "second": 5}
